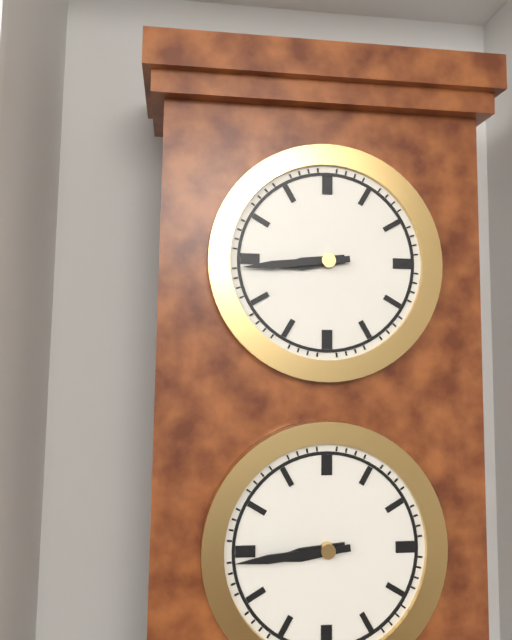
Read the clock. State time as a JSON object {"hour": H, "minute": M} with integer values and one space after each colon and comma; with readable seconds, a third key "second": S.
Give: {"hour": 8, "minute": 44}
